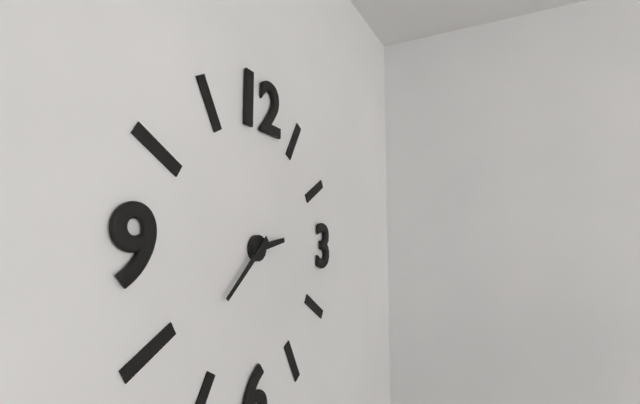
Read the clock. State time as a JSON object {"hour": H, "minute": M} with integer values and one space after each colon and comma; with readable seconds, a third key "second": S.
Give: {"hour": 2, "minute": 38}
